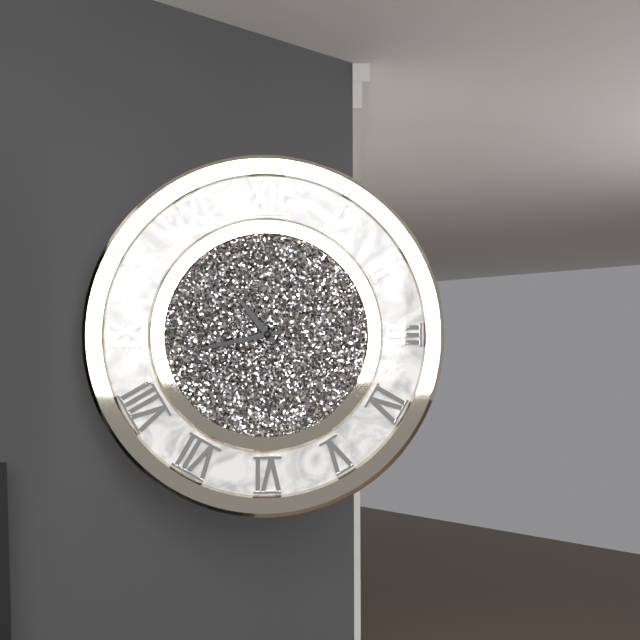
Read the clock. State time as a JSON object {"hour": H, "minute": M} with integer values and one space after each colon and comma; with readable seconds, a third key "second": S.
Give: {"hour": 10, "minute": 43}
